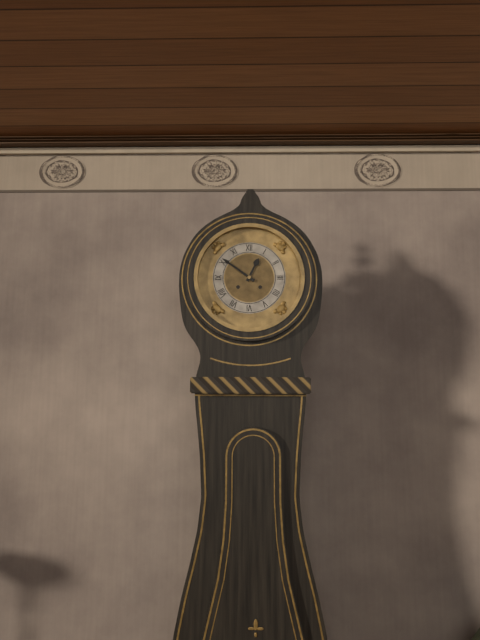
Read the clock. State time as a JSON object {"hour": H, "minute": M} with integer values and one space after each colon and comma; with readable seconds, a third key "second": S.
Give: {"hour": 12, "minute": 51}
